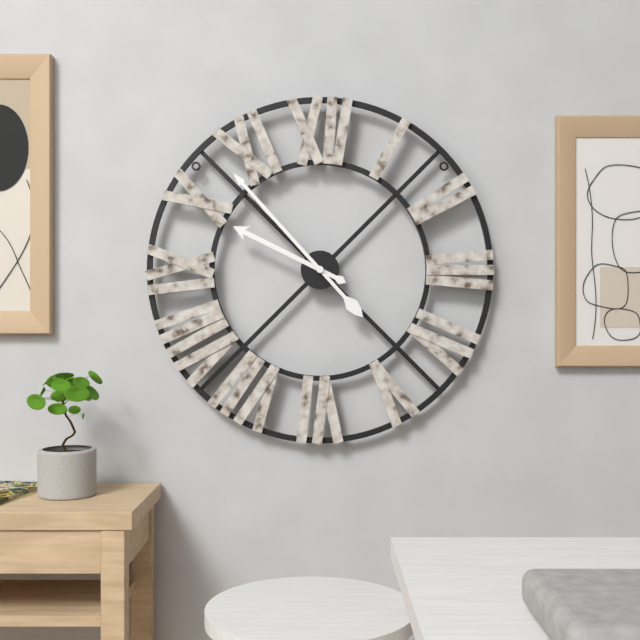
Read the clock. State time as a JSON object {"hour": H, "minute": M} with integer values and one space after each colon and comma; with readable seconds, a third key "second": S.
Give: {"hour": 9, "minute": 53}
